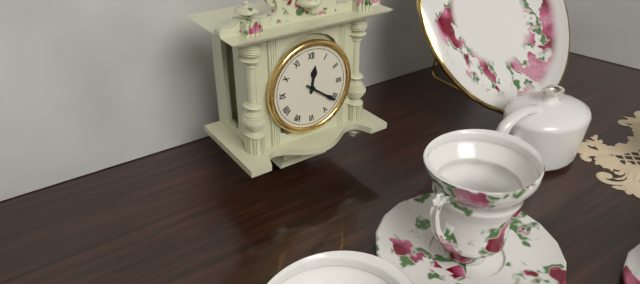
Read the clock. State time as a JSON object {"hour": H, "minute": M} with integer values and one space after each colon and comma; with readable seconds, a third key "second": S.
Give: {"hour": 12, "minute": 21}
